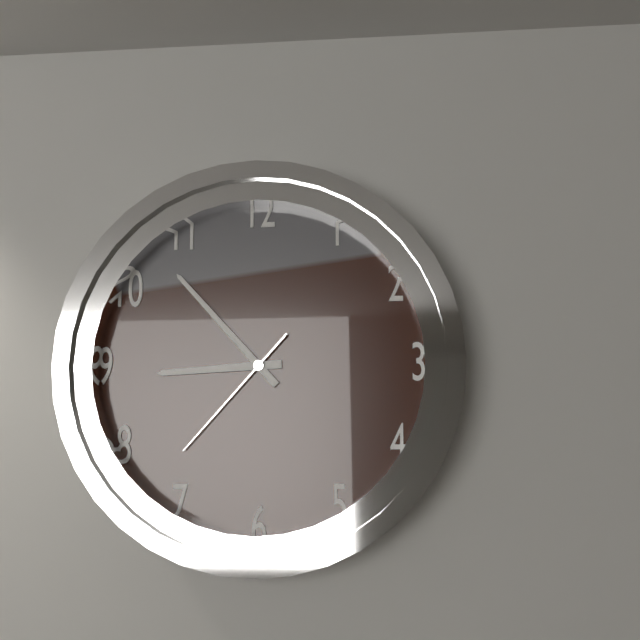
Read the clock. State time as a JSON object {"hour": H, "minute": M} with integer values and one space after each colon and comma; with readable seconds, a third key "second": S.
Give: {"hour": 8, "minute": 53, "second": 37}
